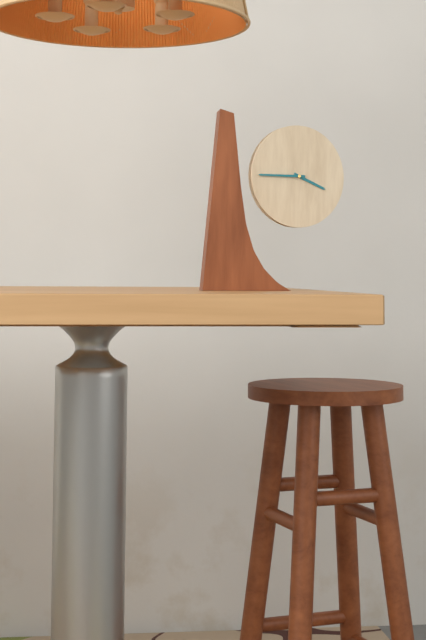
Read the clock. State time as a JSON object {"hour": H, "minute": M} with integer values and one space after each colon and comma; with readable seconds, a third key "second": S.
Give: {"hour": 3, "minute": 45}
